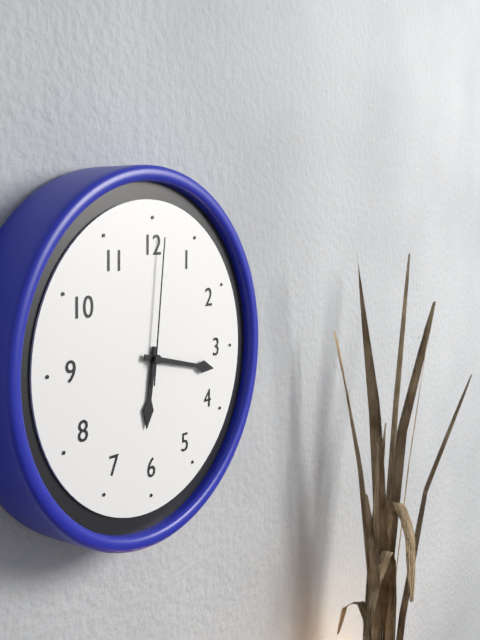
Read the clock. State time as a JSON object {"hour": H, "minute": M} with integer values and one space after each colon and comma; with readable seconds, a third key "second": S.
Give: {"hour": 6, "minute": 17, "second": 1}
